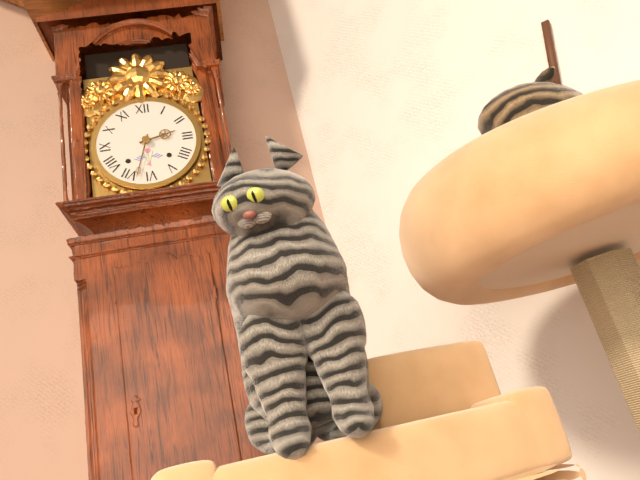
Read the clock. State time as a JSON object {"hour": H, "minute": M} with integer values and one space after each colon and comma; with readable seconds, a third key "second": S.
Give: {"hour": 2, "minute": 33}
